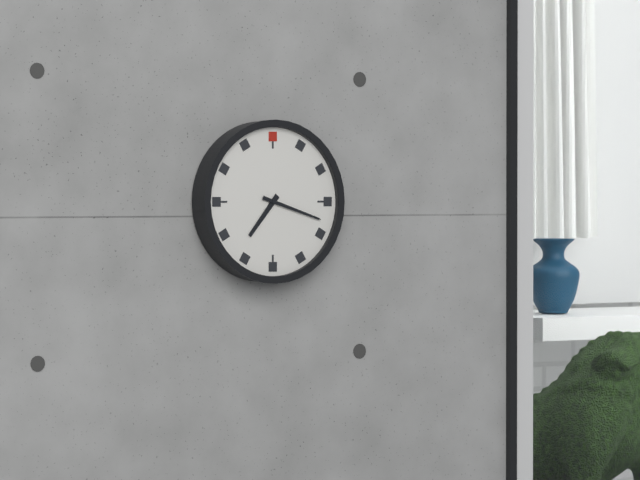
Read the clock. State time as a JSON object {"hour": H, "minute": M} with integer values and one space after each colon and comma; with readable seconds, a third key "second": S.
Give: {"hour": 7, "minute": 18}
